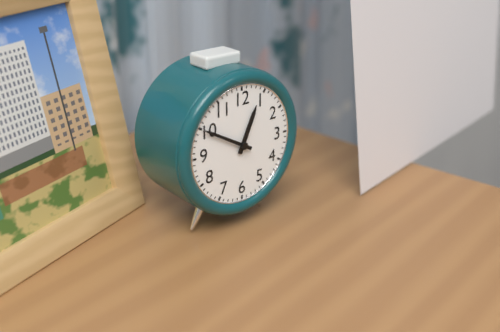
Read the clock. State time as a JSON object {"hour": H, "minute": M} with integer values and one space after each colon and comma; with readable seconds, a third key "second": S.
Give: {"hour": 12, "minute": 50}
